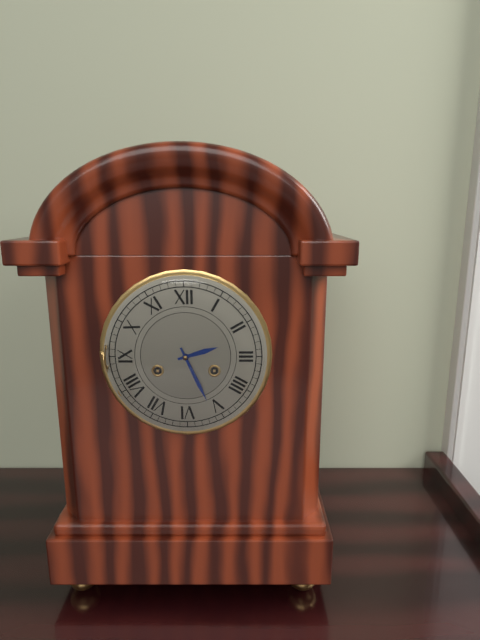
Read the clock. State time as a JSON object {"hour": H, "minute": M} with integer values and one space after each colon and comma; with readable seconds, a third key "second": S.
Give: {"hour": 2, "minute": 26}
